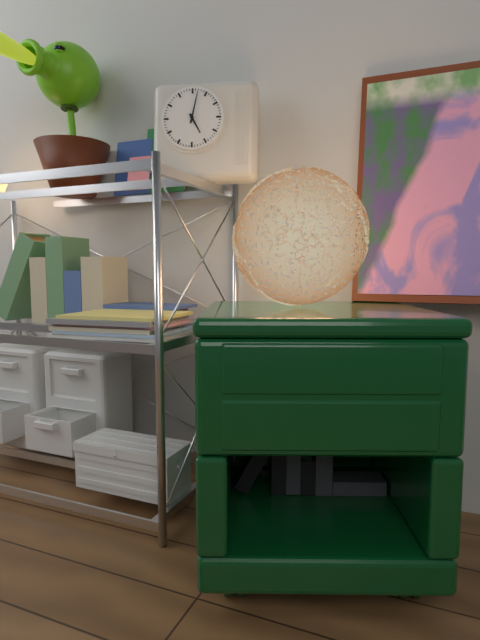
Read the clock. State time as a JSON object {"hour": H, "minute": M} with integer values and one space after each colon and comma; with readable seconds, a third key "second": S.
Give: {"hour": 5, "minute": 2}
